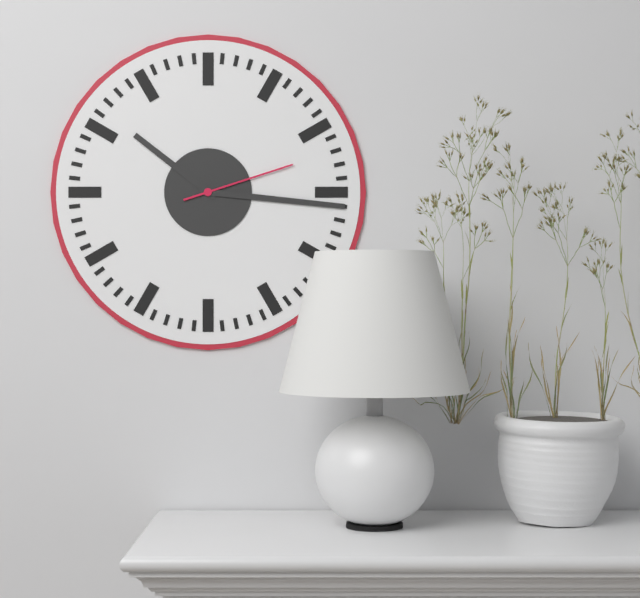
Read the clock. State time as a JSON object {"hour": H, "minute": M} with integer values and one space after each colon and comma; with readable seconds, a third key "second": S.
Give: {"hour": 10, "minute": 16, "second": 12}
